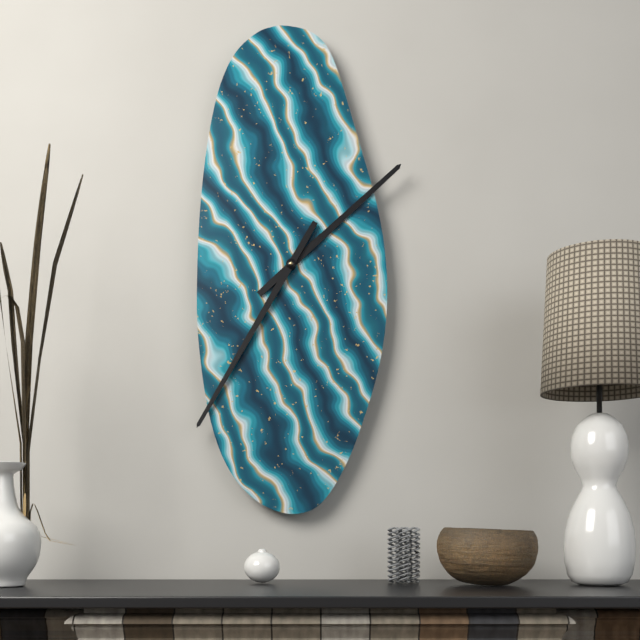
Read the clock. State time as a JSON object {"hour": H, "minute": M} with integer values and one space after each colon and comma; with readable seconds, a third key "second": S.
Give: {"hour": 1, "minute": 35}
